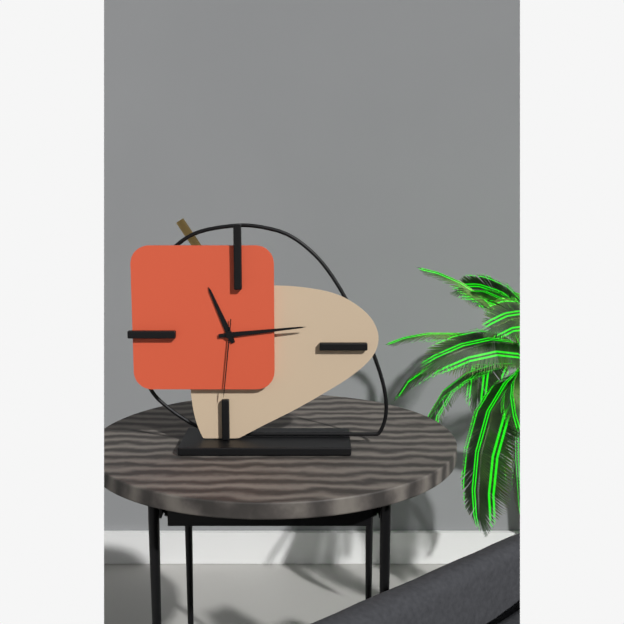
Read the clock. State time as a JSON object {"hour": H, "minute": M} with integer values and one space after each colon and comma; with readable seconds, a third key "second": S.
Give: {"hour": 11, "minute": 14, "second": 31}
